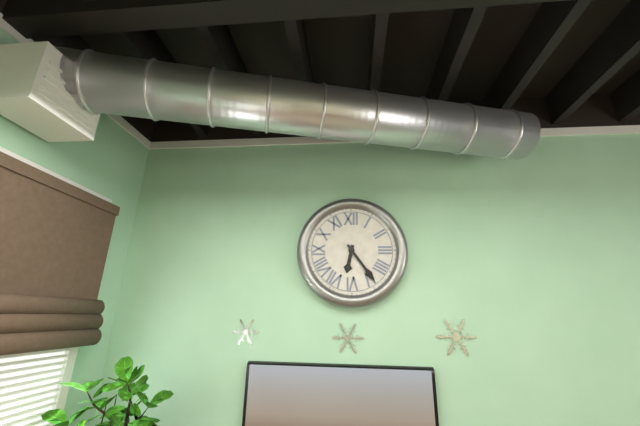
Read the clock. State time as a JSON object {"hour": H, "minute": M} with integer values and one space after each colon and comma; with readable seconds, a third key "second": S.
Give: {"hour": 6, "minute": 24}
